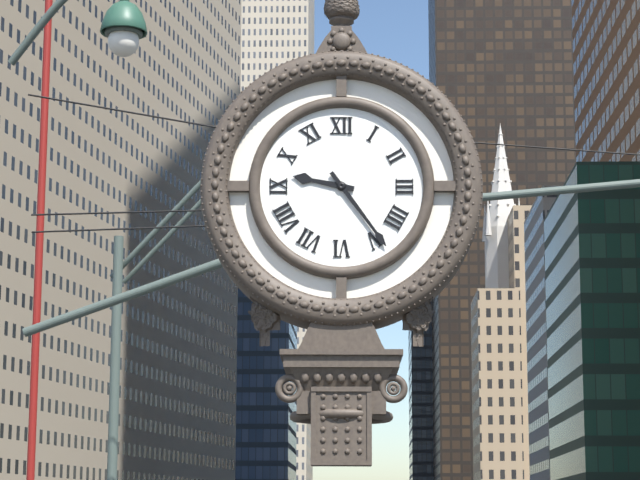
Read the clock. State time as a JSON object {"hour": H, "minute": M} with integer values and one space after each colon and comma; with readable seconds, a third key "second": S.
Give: {"hour": 9, "minute": 24}
